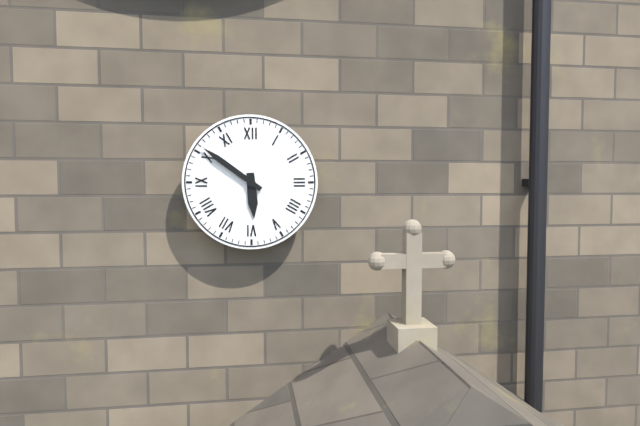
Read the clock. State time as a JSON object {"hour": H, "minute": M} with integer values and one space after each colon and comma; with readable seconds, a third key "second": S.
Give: {"hour": 5, "minute": 51}
